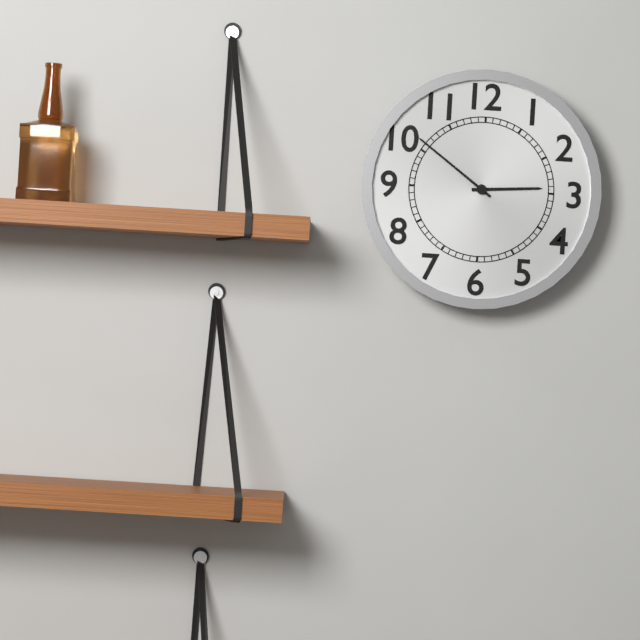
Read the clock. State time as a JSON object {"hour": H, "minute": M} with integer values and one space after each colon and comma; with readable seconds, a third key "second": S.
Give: {"hour": 2, "minute": 51}
